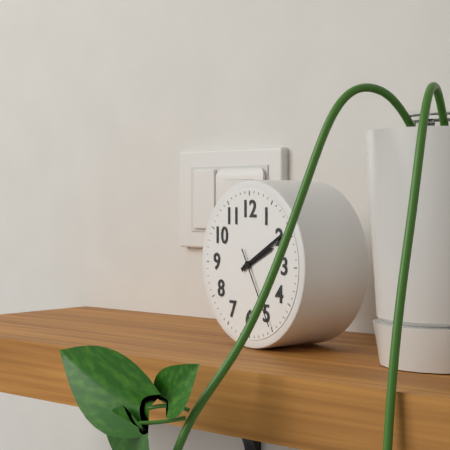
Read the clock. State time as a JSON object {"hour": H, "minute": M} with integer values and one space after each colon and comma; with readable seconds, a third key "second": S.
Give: {"hour": 2, "minute": 10, "second": 25}
